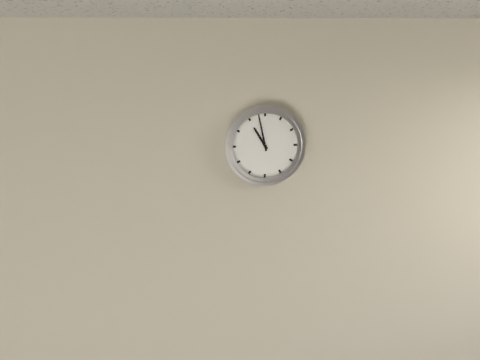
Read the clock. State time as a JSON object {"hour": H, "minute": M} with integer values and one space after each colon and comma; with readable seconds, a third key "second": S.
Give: {"hour": 10, "minute": 58}
